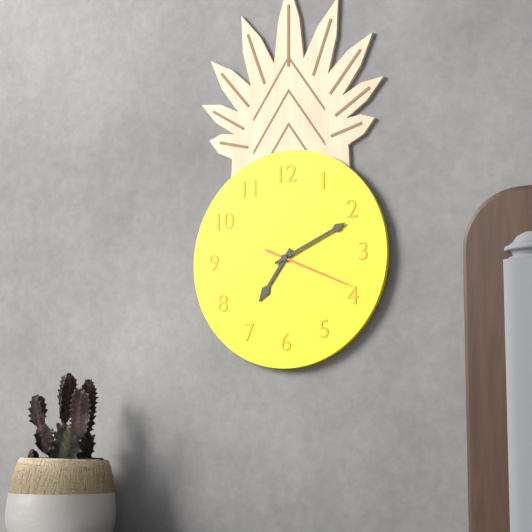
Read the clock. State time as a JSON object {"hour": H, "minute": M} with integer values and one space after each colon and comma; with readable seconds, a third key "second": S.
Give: {"hour": 7, "minute": 11, "second": 19}
